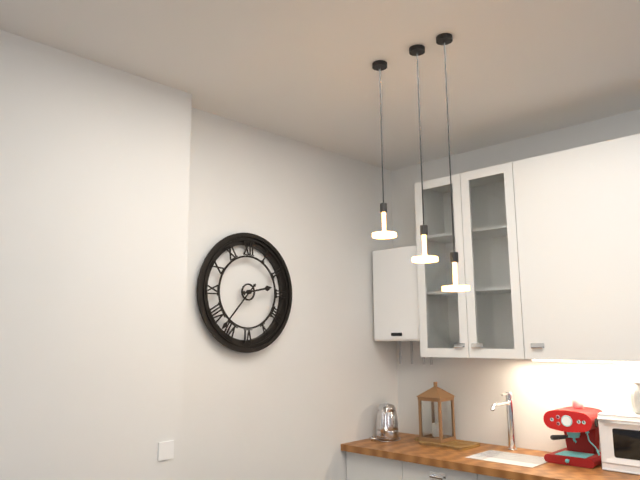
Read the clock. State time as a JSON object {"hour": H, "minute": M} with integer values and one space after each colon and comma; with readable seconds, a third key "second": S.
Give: {"hour": 2, "minute": 37}
